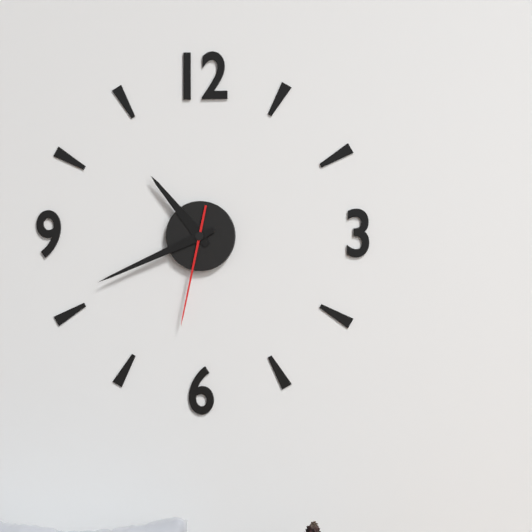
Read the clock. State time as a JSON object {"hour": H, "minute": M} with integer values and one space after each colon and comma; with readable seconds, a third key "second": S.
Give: {"hour": 10, "minute": 41, "second": 32}
